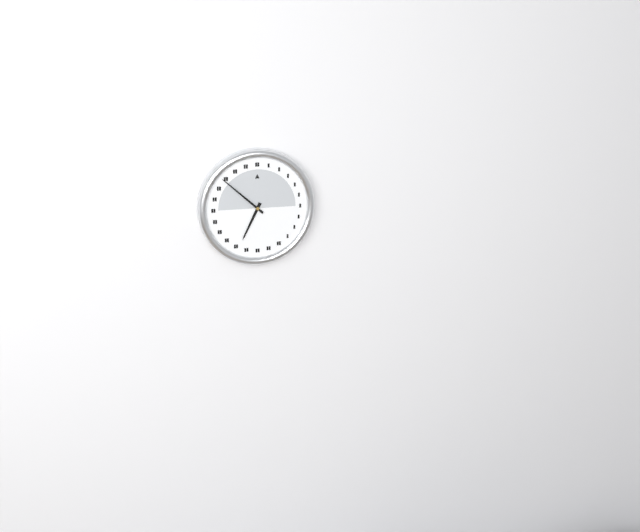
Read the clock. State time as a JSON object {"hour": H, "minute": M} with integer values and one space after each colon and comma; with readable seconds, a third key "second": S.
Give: {"hour": 6, "minute": 52}
